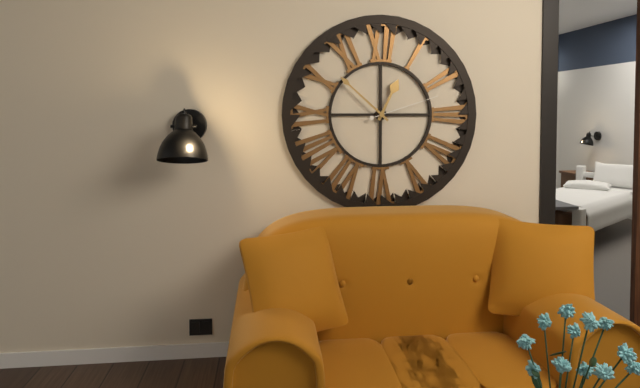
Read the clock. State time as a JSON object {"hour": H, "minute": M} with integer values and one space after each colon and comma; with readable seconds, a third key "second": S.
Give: {"hour": 12, "minute": 52, "second": 12}
